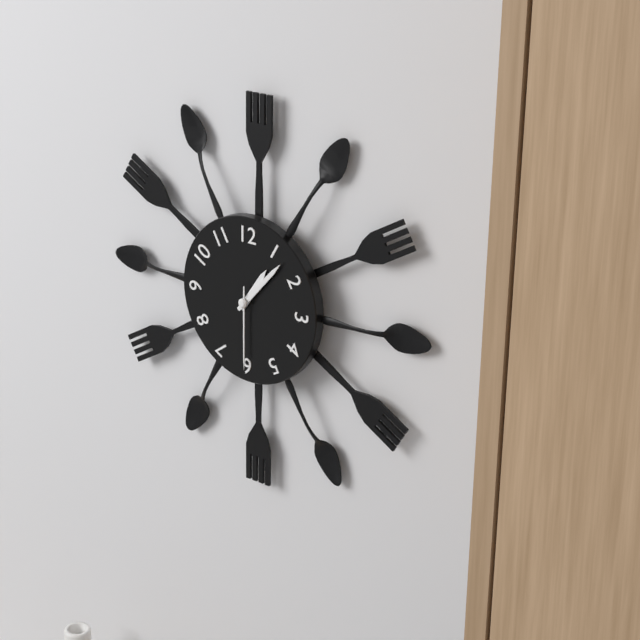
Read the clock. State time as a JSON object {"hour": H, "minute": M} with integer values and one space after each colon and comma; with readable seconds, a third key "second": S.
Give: {"hour": 1, "minute": 7, "second": 30}
